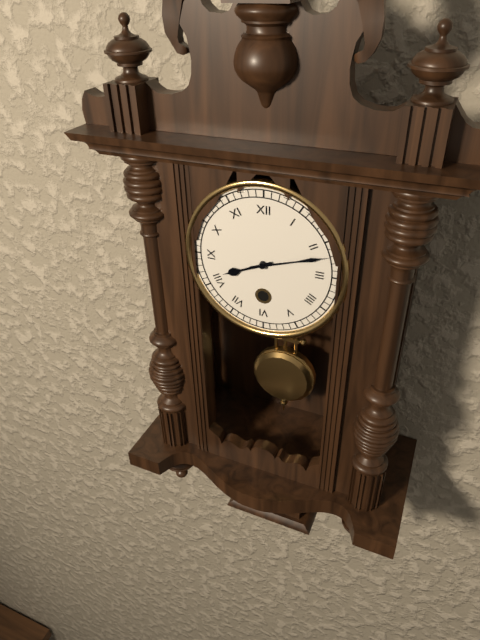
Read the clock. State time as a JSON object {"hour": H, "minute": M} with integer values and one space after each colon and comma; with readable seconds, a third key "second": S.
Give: {"hour": 8, "minute": 12}
